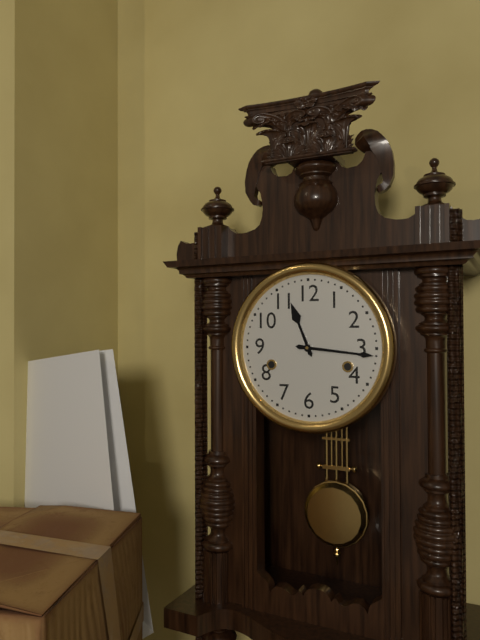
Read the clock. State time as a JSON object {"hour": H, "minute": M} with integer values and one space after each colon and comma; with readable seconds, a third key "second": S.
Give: {"hour": 11, "minute": 16}
